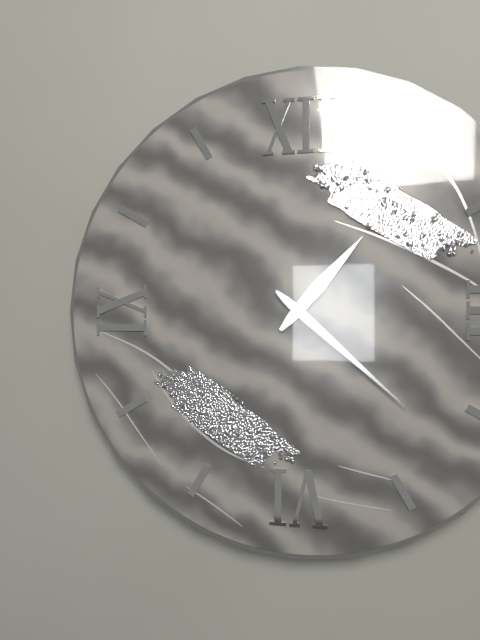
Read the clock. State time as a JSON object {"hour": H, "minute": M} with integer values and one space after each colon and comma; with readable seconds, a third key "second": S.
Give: {"hour": 1, "minute": 22}
